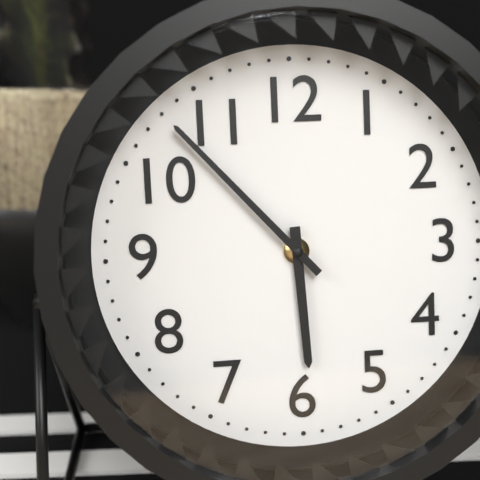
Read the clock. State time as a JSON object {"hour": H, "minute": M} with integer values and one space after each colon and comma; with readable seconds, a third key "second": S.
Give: {"hour": 5, "minute": 53}
